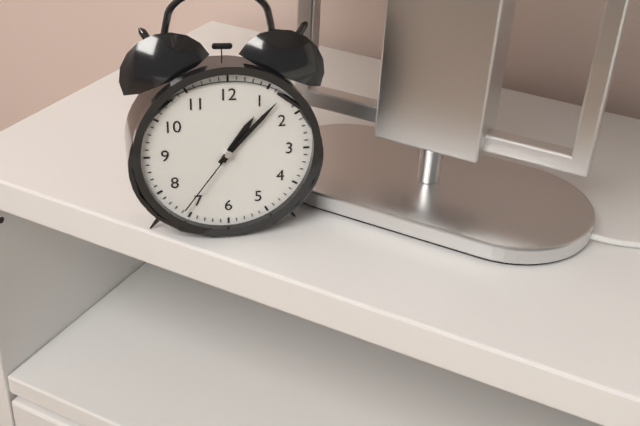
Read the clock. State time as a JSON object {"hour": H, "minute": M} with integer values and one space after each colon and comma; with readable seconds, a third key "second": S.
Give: {"hour": 1, "minute": 7, "second": 36}
